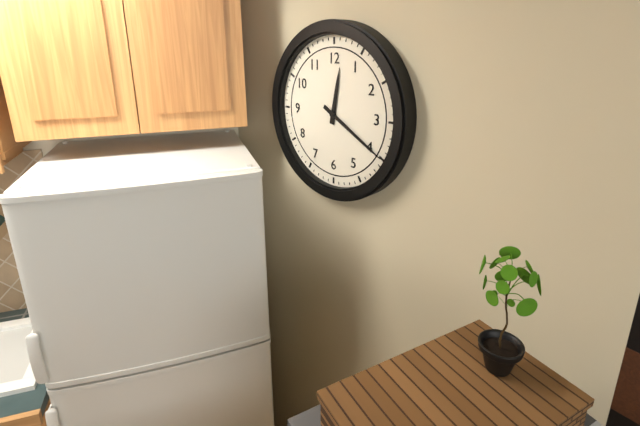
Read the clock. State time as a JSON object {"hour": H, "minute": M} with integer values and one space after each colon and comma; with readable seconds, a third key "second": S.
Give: {"hour": 12, "minute": 20}
